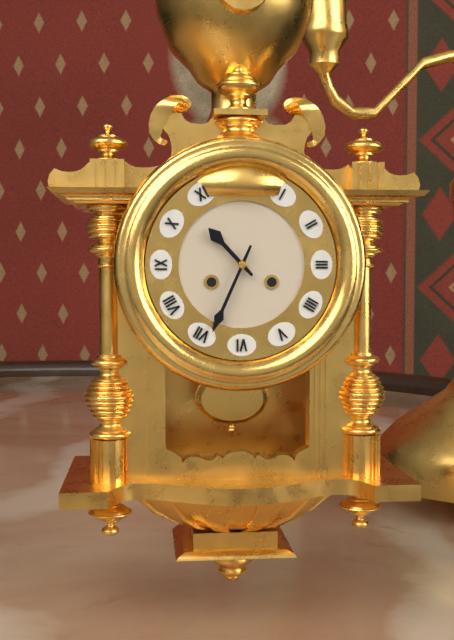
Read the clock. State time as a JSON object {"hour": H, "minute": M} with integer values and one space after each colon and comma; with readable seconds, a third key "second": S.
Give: {"hour": 10, "minute": 34}
